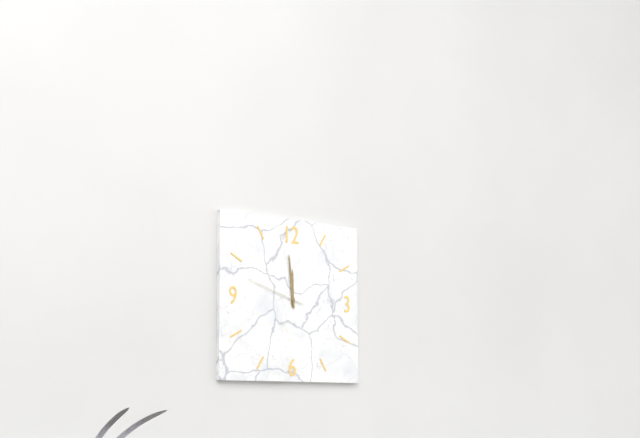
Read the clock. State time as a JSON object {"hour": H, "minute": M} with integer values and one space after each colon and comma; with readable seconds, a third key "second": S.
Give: {"hour": 11, "minute": 59, "second": 48}
